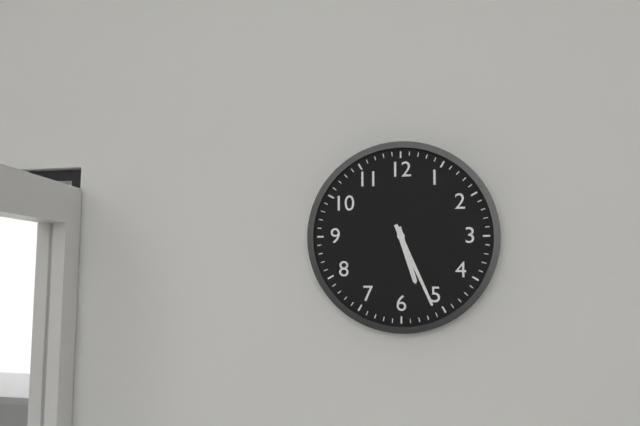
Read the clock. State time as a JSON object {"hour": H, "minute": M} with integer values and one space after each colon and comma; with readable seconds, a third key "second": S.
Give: {"hour": 5, "minute": 26}
